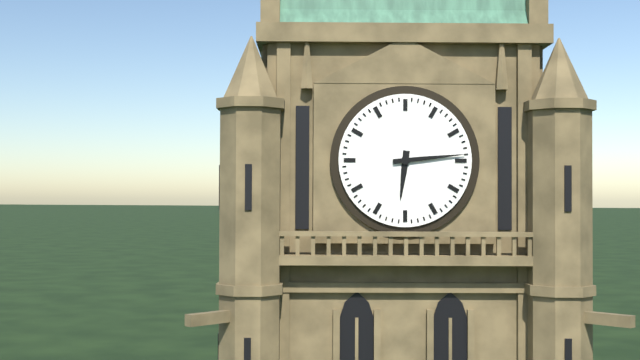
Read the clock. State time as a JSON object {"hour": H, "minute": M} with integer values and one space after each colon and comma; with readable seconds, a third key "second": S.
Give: {"hour": 6, "minute": 14}
